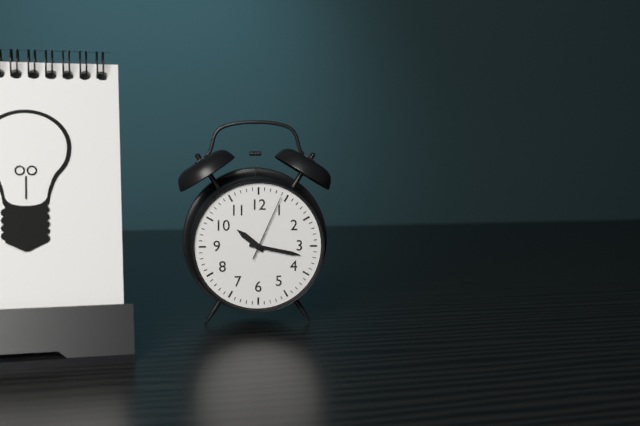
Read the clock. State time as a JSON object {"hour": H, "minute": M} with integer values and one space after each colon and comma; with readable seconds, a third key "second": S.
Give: {"hour": 10, "minute": 17, "second": 4}
